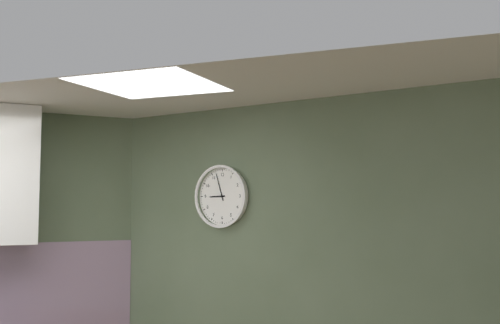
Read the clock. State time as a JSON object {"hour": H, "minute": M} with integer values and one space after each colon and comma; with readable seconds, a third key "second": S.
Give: {"hour": 8, "minute": 57}
